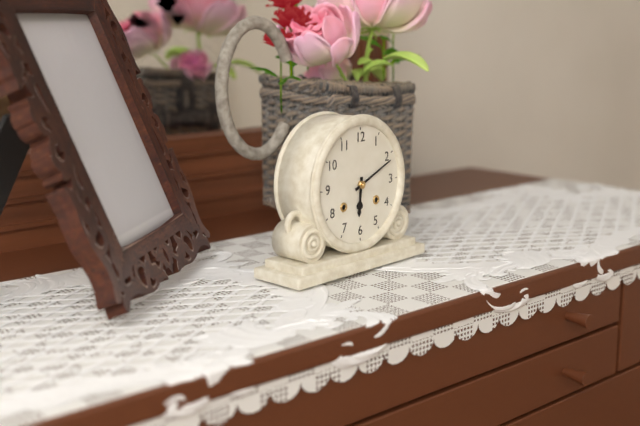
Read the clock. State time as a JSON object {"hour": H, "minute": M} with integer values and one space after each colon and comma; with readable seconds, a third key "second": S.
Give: {"hour": 6, "minute": 11}
